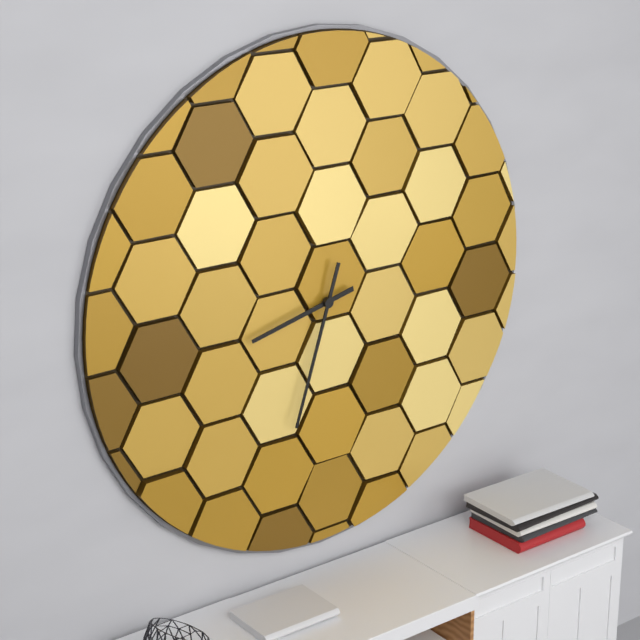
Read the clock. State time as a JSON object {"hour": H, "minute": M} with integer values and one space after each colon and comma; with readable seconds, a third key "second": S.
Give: {"hour": 8, "minute": 33}
